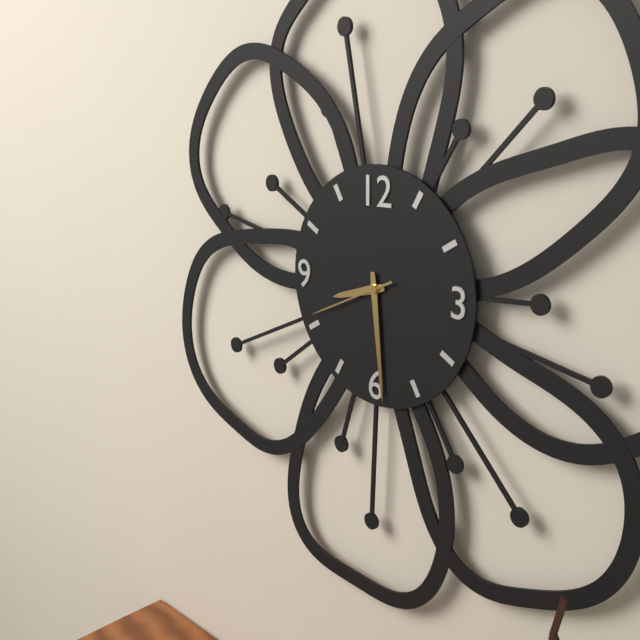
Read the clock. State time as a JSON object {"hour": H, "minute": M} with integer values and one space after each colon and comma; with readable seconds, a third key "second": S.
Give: {"hour": 8, "minute": 29, "second": 41}
